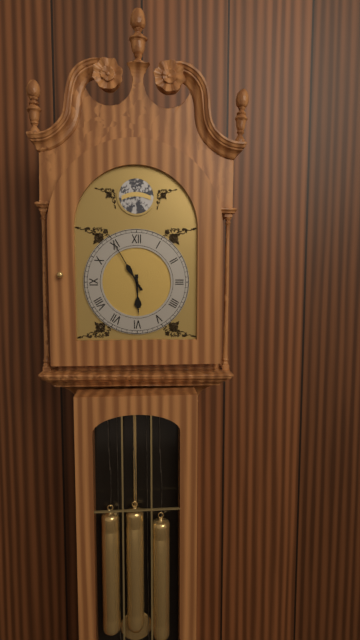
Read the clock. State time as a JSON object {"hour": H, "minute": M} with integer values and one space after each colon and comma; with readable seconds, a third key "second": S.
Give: {"hour": 5, "minute": 55}
